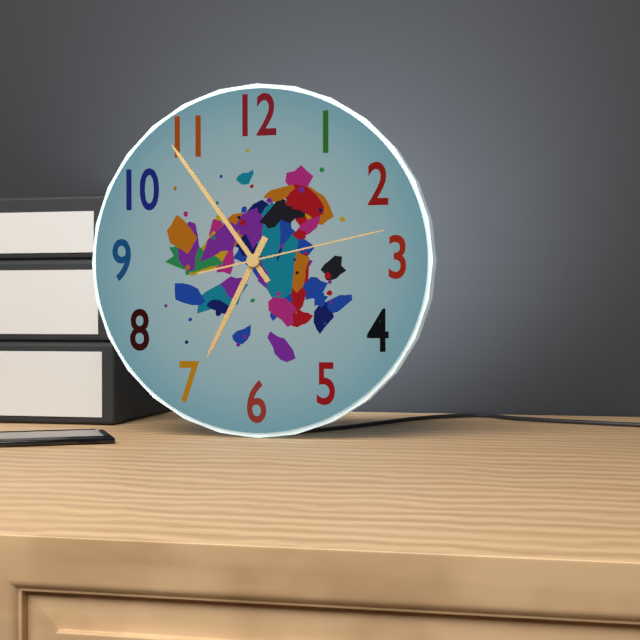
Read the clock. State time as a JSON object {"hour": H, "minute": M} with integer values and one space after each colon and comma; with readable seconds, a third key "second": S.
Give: {"hour": 6, "minute": 54, "second": 13}
